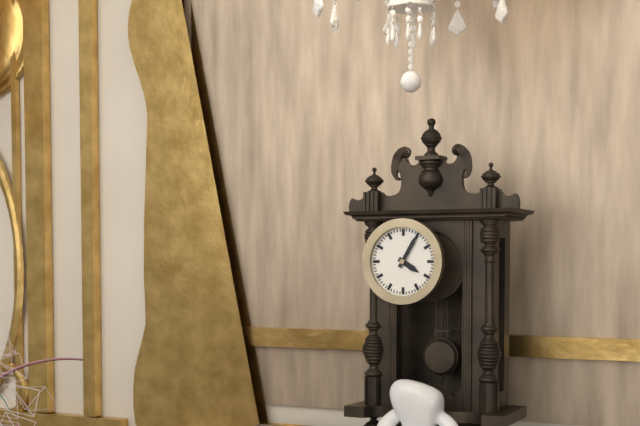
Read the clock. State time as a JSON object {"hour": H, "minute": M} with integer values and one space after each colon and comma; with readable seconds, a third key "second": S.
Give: {"hour": 4, "minute": 5}
